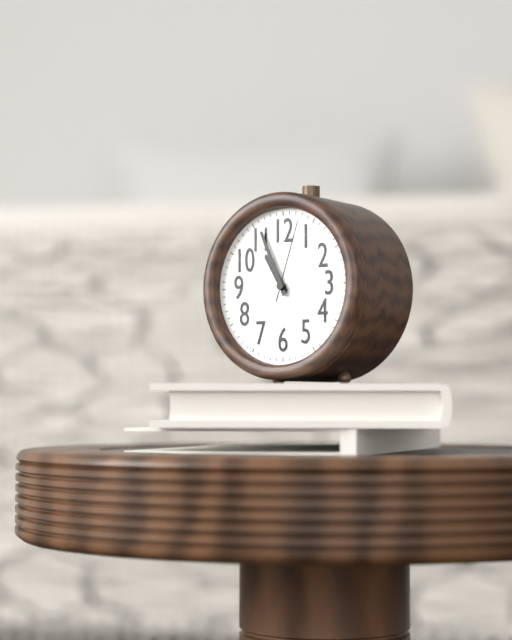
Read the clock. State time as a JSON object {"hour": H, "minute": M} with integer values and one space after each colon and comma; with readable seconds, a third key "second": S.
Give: {"hour": 10, "minute": 56, "second": 3}
